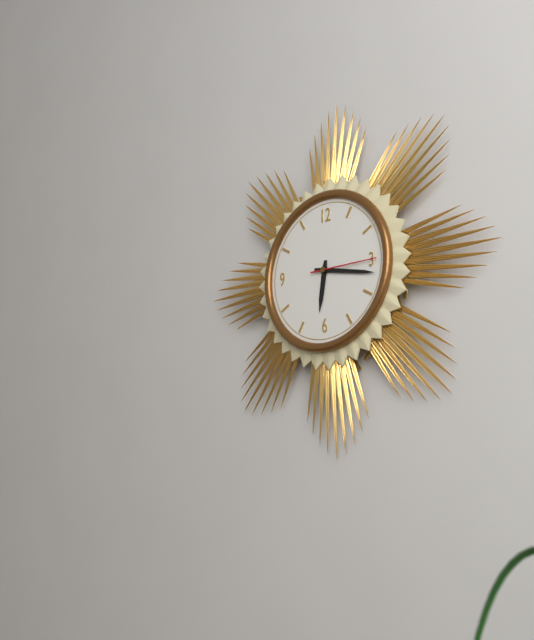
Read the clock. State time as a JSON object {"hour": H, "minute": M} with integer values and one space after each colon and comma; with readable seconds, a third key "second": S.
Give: {"hour": 6, "minute": 17, "second": 15}
